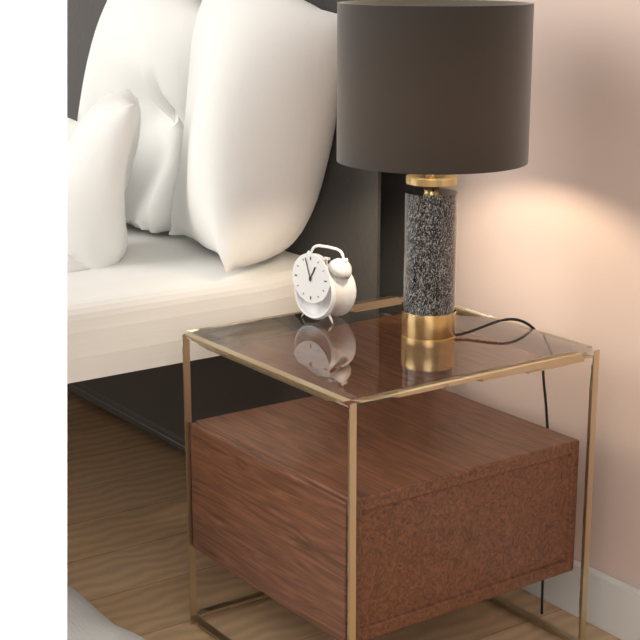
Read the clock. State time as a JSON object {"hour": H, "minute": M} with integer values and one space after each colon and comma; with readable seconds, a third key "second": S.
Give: {"hour": 12, "minute": 57}
